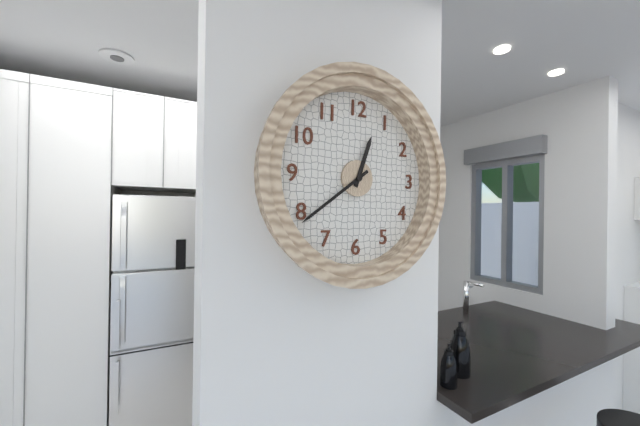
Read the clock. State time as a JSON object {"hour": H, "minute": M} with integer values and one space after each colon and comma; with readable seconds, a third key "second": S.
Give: {"hour": 12, "minute": 39}
